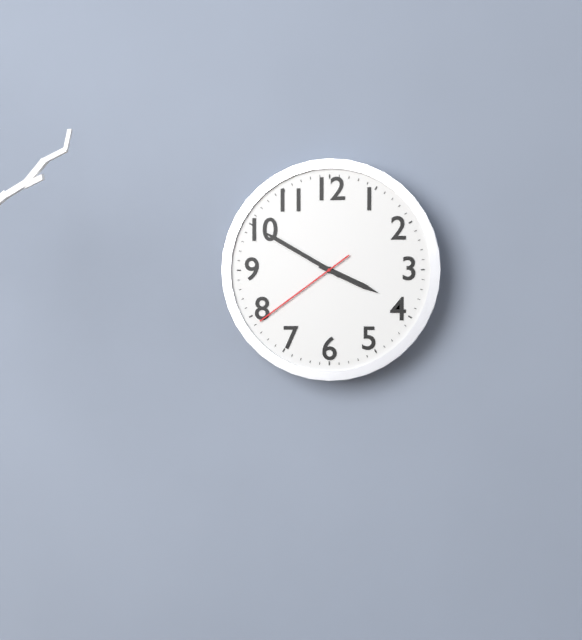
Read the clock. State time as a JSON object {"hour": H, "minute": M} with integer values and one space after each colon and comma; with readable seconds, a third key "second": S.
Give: {"hour": 3, "minute": 50, "second": 39}
